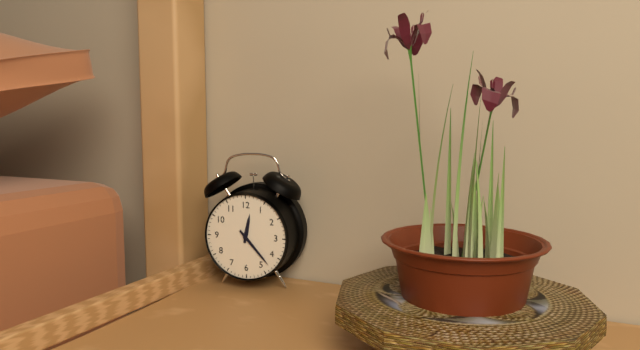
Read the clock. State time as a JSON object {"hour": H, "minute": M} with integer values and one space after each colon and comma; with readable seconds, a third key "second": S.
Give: {"hour": 12, "minute": 23}
